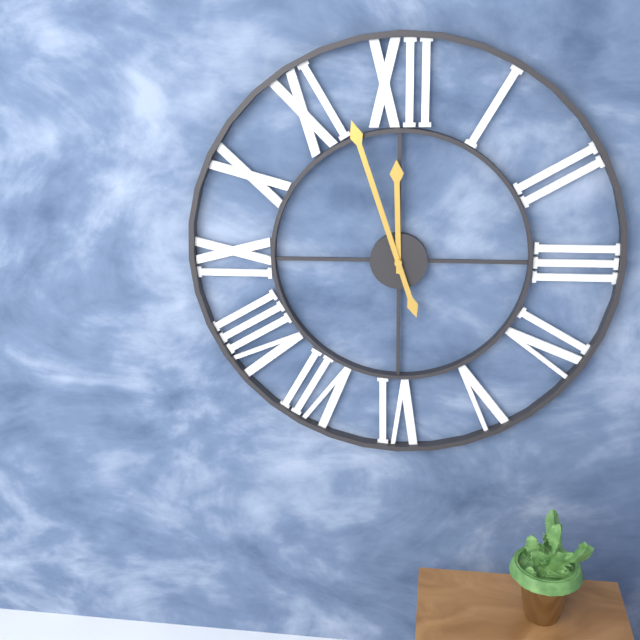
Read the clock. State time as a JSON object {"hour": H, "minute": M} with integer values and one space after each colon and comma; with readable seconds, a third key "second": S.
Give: {"hour": 11, "minute": 57}
